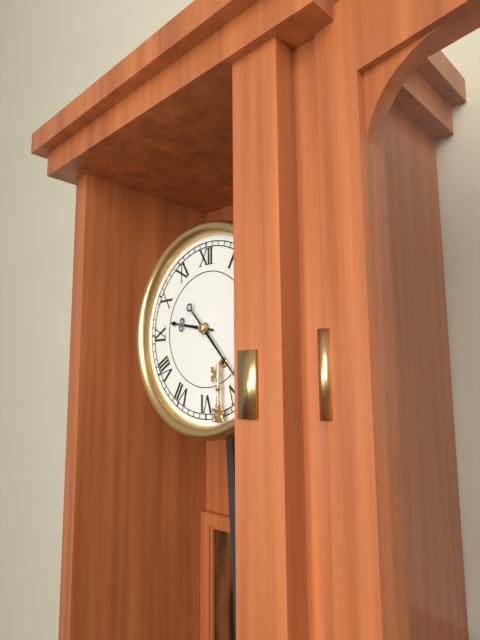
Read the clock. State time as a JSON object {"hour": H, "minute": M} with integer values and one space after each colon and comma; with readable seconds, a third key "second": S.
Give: {"hour": 9, "minute": 23}
